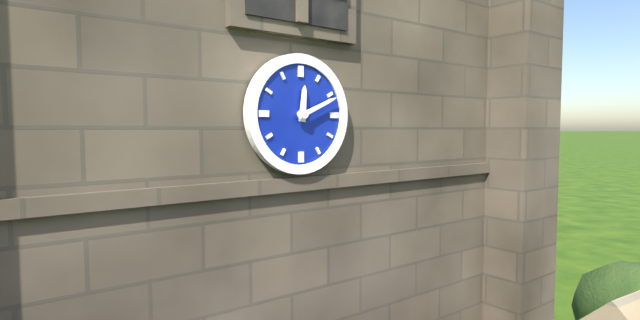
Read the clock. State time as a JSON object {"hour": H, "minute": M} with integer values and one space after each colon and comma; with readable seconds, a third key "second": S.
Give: {"hour": 12, "minute": 11}
